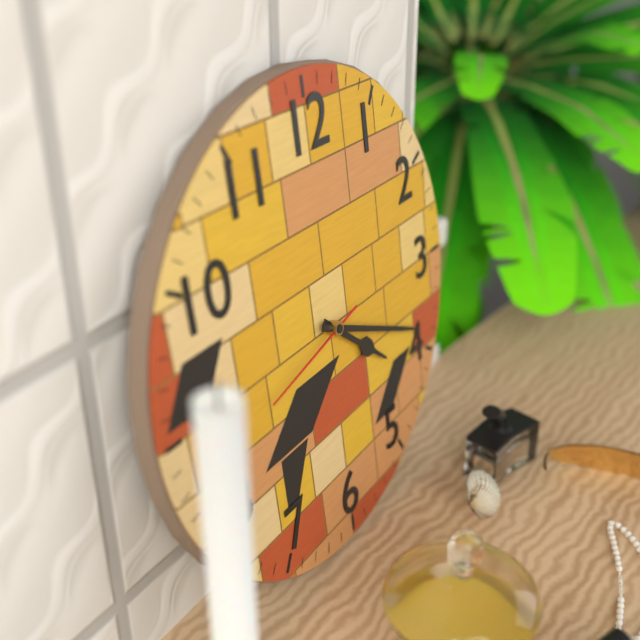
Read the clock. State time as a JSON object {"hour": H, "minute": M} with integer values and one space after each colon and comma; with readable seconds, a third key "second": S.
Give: {"hour": 4, "minute": 19, "second": 43}
